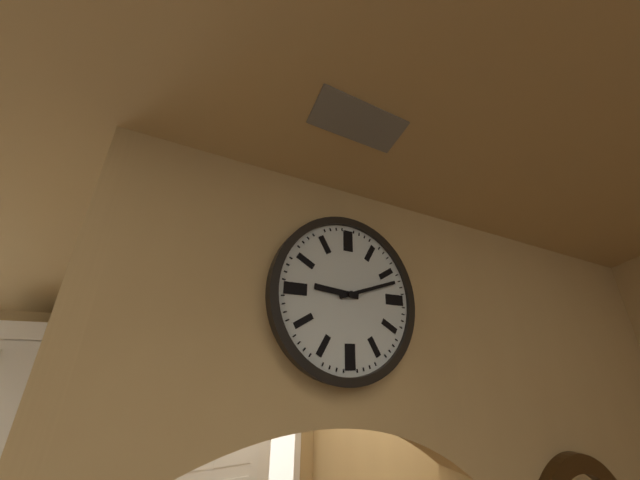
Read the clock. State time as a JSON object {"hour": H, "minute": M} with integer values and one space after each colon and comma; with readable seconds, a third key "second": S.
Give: {"hour": 9, "minute": 12}
